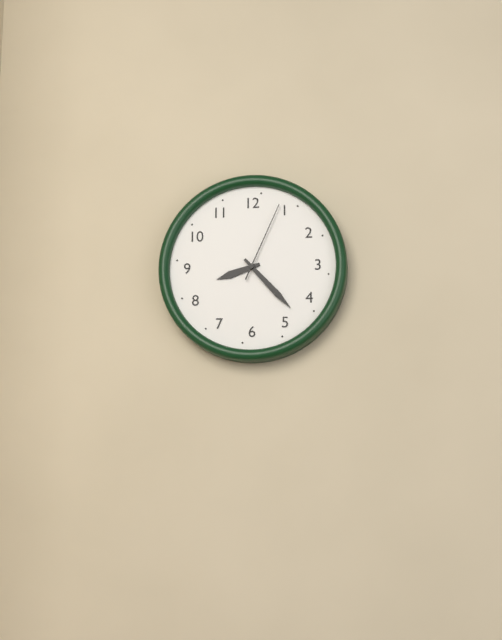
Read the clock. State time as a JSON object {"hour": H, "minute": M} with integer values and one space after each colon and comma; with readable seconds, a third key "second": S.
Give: {"hour": 8, "minute": 23, "second": 4}
